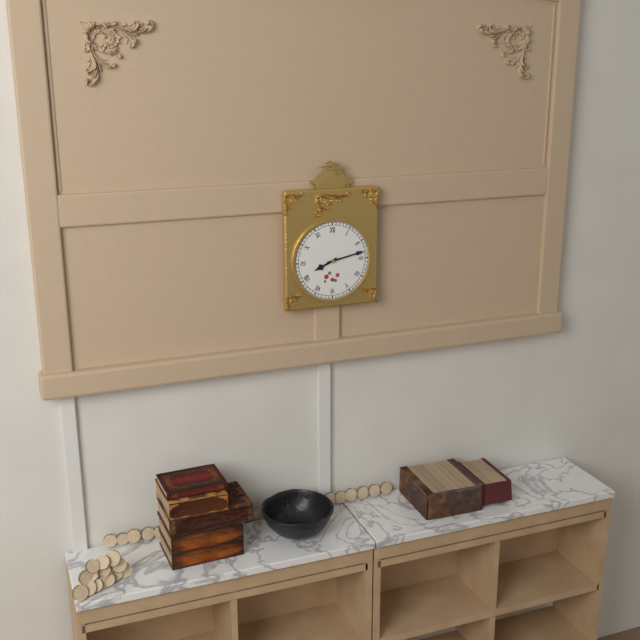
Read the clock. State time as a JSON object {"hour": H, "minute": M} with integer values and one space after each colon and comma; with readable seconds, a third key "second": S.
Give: {"hour": 8, "minute": 13}
